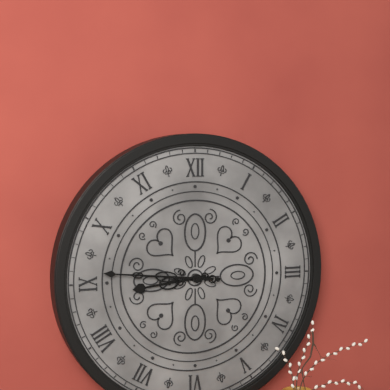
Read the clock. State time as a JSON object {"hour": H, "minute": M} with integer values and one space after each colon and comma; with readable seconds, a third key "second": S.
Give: {"hour": 8, "minute": 46}
